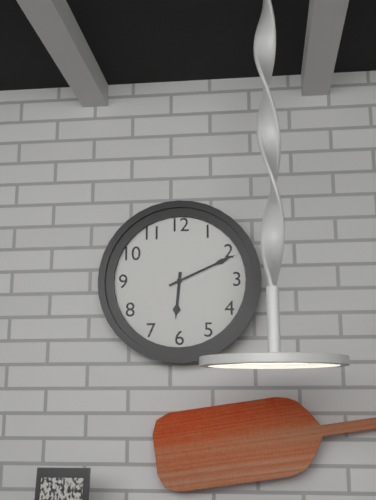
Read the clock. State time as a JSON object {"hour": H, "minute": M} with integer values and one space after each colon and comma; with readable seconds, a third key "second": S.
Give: {"hour": 6, "minute": 11}
